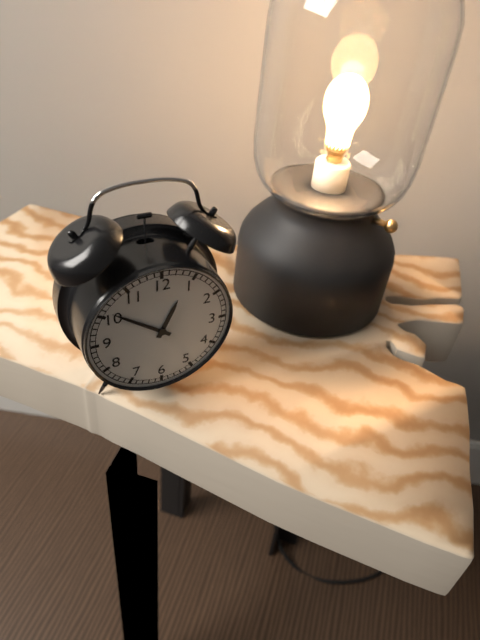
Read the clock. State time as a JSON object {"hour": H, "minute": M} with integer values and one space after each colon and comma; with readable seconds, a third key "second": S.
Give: {"hour": 12, "minute": 51}
